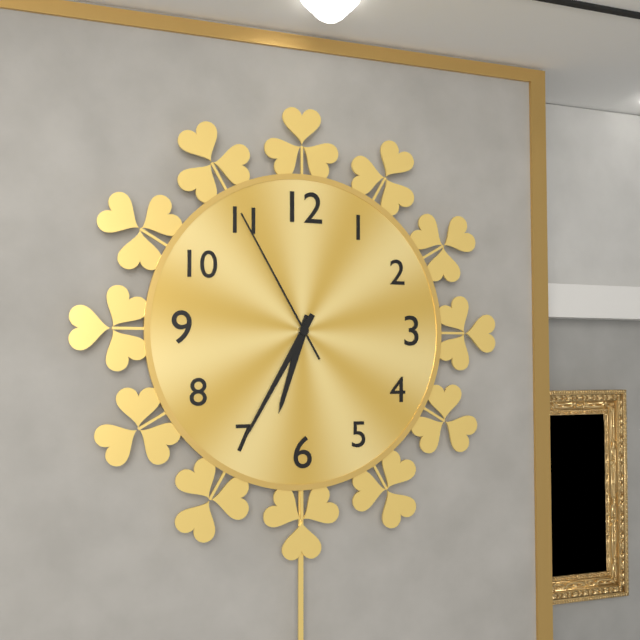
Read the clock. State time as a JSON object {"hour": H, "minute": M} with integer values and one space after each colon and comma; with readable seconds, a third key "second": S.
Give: {"hour": 6, "minute": 35, "second": 55}
